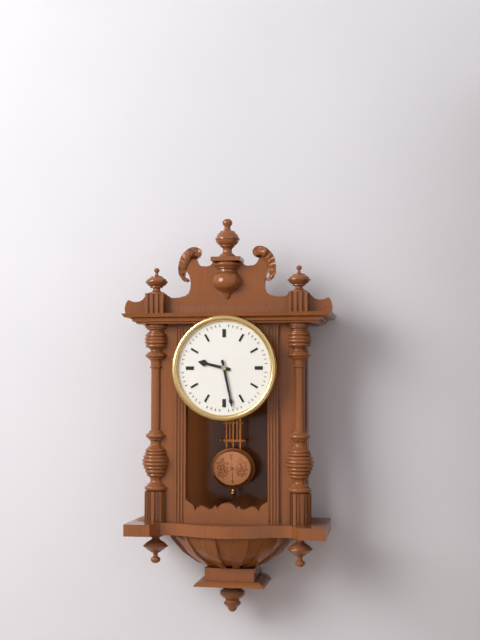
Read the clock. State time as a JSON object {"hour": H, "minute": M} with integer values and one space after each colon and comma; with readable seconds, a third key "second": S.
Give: {"hour": 9, "minute": 28}
